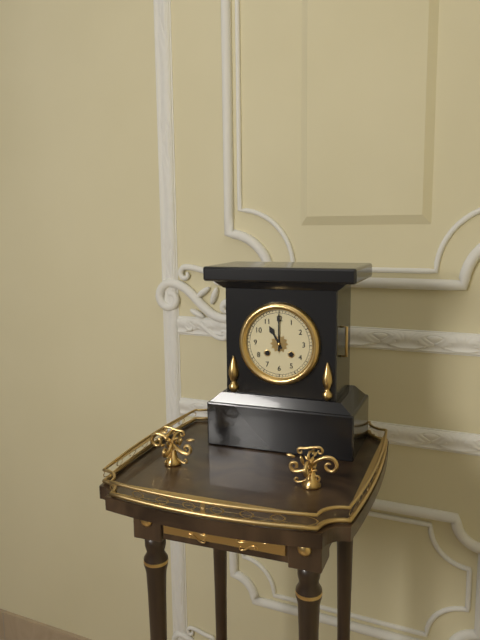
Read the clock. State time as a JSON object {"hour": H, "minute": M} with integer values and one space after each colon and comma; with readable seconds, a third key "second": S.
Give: {"hour": 11, "minute": 0}
